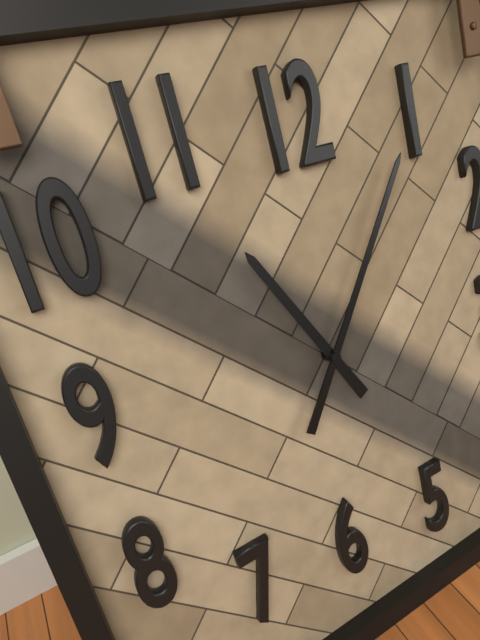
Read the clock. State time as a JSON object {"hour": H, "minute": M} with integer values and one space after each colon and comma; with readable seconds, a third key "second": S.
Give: {"hour": 11, "minute": 6}
